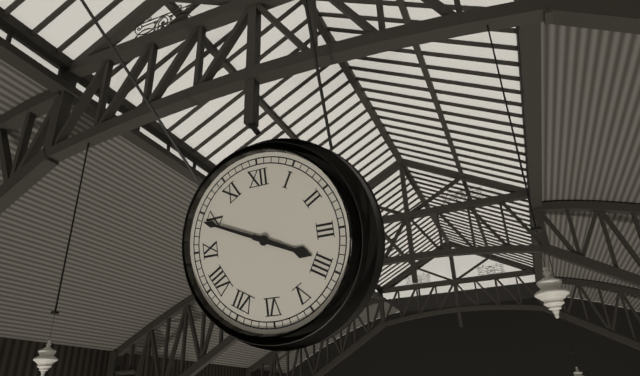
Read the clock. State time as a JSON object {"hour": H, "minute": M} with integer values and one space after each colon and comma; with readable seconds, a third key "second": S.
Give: {"hour": 3, "minute": 49}
